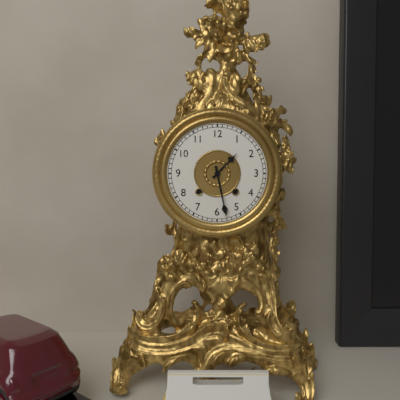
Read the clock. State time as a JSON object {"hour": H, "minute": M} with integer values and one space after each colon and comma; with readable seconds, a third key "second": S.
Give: {"hour": 1, "minute": 28}
